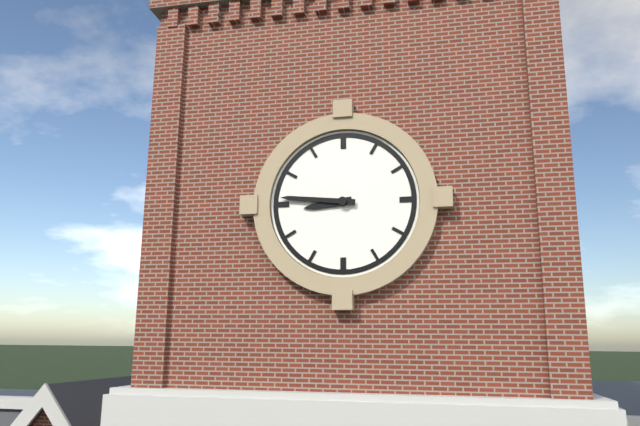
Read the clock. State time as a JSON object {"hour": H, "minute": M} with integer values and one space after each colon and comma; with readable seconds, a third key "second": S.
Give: {"hour": 8, "minute": 46}
